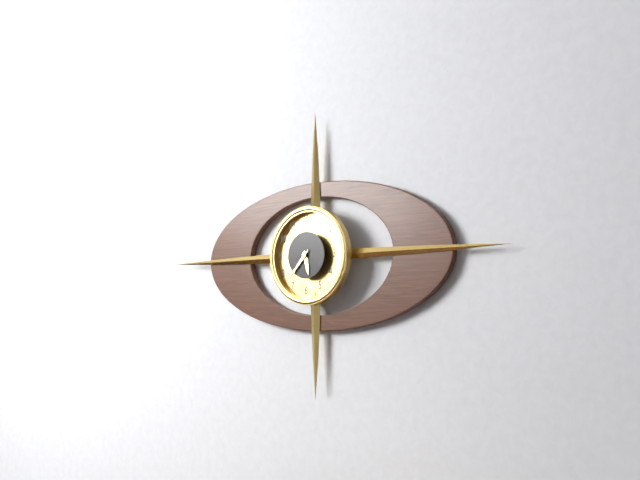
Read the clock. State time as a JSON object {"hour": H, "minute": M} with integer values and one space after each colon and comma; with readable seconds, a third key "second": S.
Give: {"hour": 5, "minute": 37}
